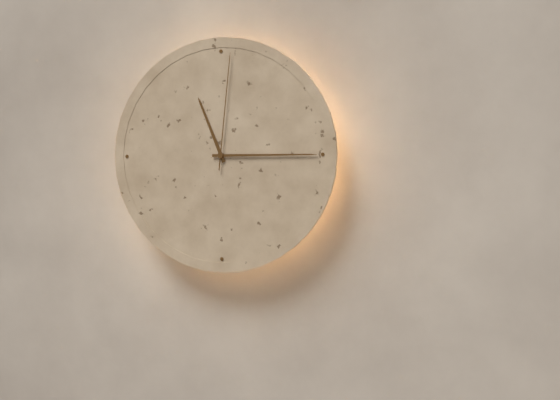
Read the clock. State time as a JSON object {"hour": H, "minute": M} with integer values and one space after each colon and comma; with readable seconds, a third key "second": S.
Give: {"hour": 11, "minute": 15, "second": 1}
